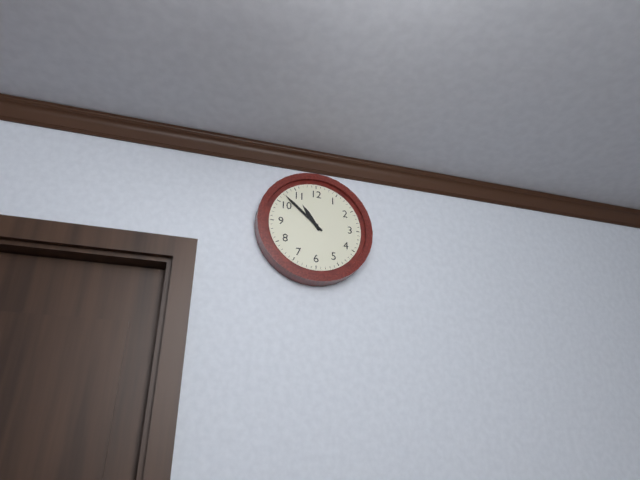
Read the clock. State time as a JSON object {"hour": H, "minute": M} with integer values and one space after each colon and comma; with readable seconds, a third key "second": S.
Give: {"hour": 10, "minute": 52}
